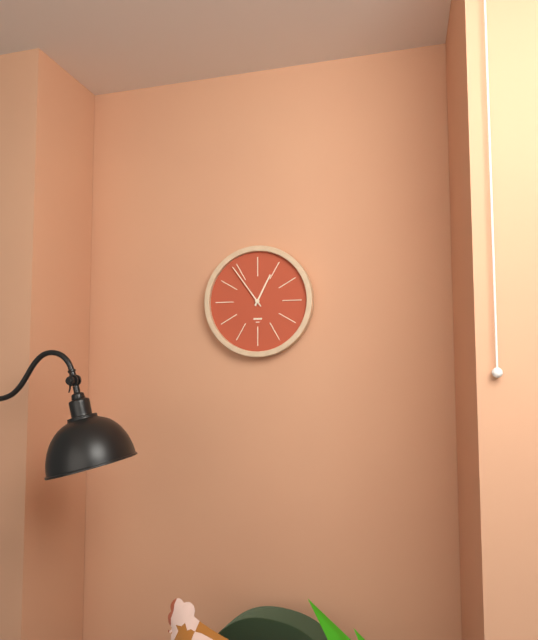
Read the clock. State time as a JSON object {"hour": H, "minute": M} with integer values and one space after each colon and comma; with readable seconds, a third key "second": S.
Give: {"hour": 12, "minute": 54}
